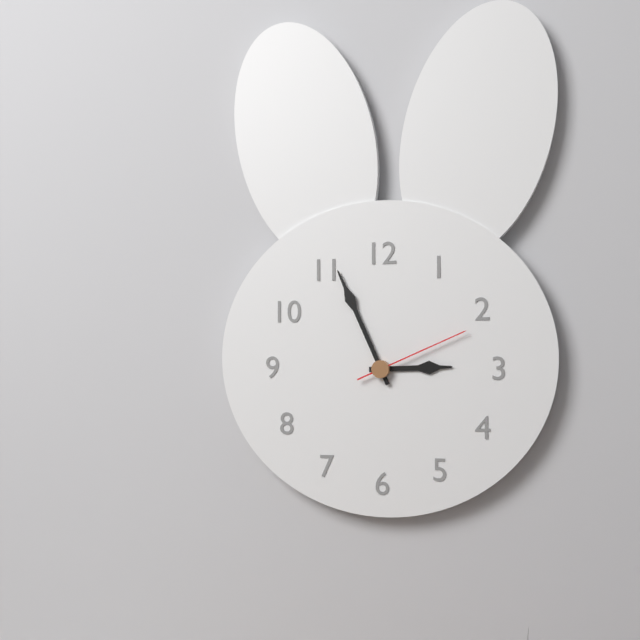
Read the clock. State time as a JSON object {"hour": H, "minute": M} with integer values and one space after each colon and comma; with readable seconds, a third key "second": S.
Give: {"hour": 2, "minute": 56, "second": 11}
